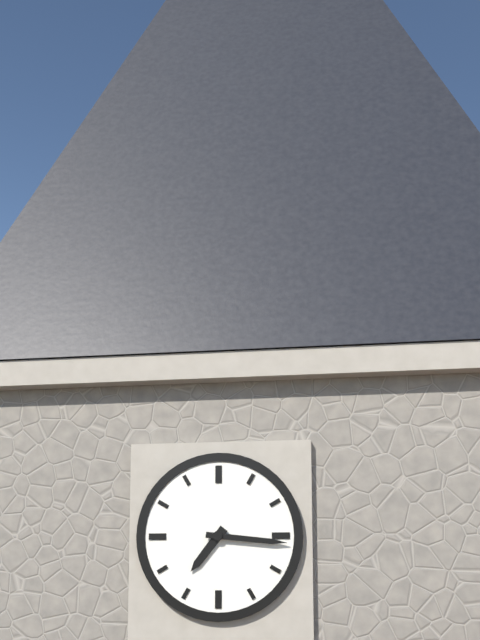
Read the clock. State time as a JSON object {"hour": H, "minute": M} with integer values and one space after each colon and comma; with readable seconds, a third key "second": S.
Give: {"hour": 7, "minute": 16}
